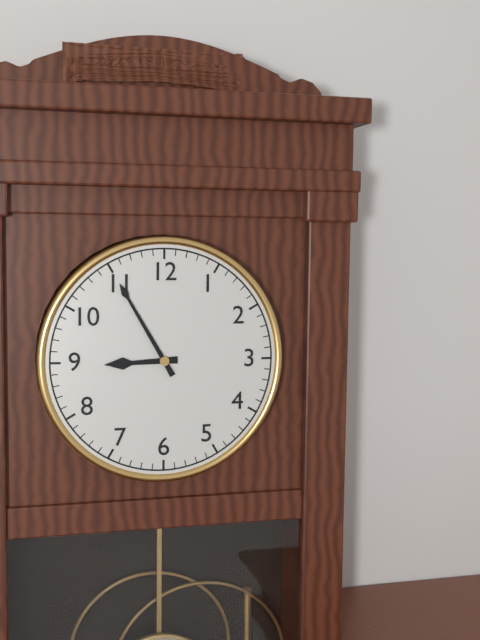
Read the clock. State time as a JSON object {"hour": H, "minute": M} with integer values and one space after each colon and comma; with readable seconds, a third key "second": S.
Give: {"hour": 8, "minute": 55}
